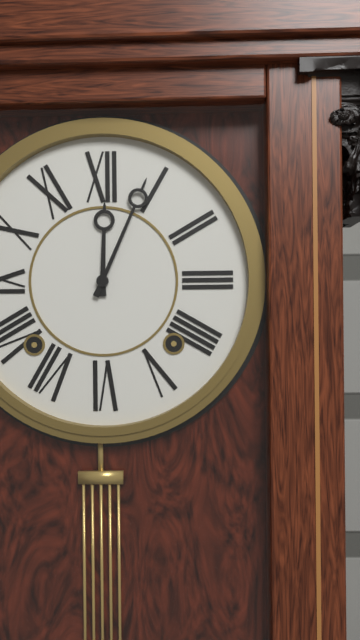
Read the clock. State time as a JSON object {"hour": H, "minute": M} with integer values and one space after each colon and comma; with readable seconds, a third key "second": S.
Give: {"hour": 12, "minute": 4}
